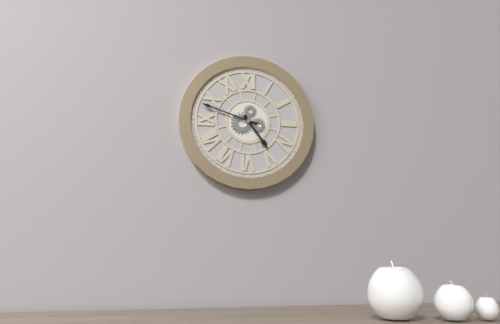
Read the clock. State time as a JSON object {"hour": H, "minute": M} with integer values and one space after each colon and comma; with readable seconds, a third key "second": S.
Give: {"hour": 4, "minute": 48}
